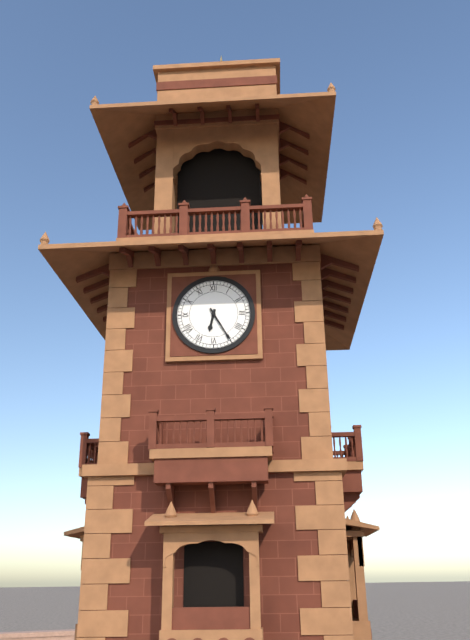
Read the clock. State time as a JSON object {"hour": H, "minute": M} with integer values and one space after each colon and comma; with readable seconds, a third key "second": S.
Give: {"hour": 6, "minute": 25}
